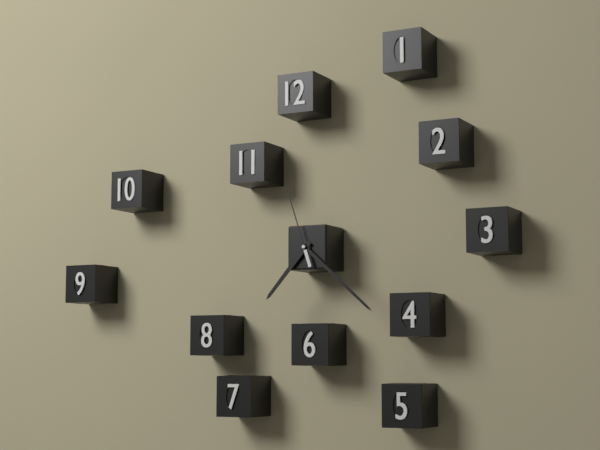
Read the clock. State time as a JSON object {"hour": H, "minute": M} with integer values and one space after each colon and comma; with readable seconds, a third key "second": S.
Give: {"hour": 7, "minute": 22, "second": 57}
